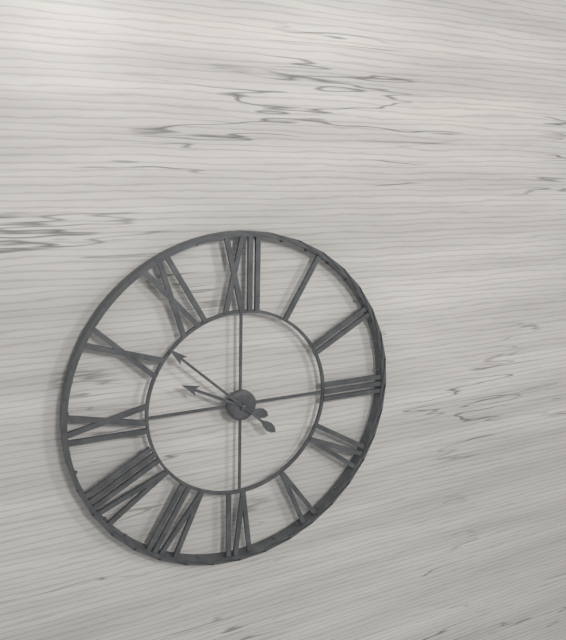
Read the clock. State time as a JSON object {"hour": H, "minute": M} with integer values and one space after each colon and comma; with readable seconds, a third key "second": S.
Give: {"hour": 9, "minute": 52}
